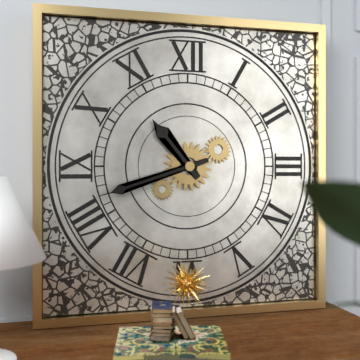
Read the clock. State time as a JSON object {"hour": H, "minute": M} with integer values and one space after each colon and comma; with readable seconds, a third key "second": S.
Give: {"hour": 10, "minute": 42}
